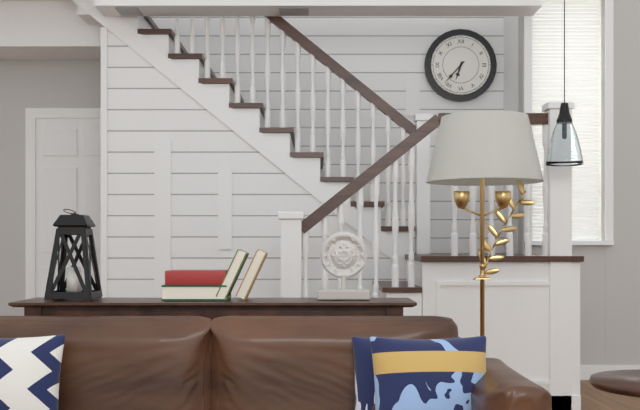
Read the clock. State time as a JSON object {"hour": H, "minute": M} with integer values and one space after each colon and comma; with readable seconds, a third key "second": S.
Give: {"hour": 6, "minute": 37}
